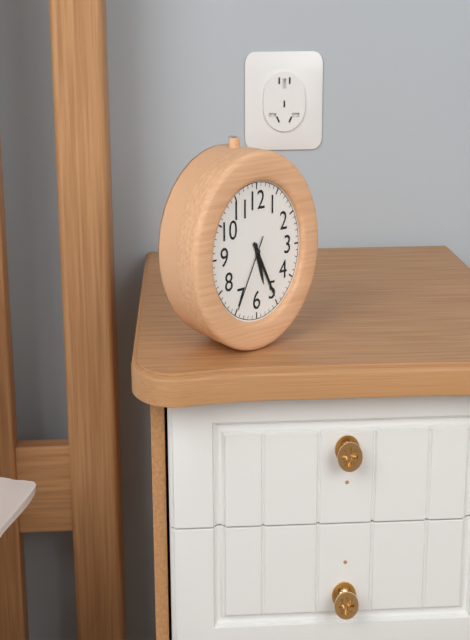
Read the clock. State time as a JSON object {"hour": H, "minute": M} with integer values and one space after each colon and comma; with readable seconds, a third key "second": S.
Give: {"hour": 5, "minute": 25, "second": 35}
